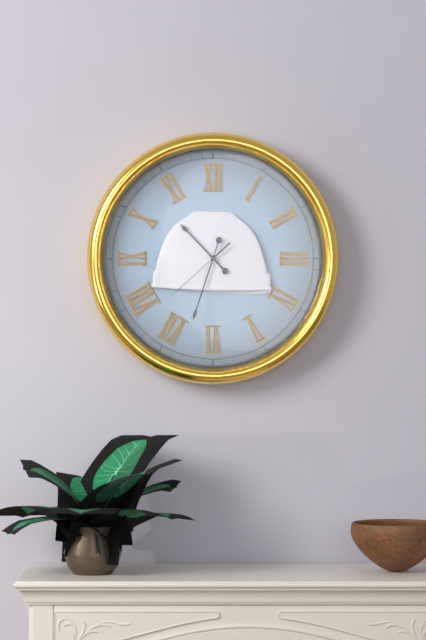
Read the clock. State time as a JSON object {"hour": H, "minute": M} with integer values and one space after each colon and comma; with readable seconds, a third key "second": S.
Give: {"hour": 10, "minute": 33, "second": 38}
